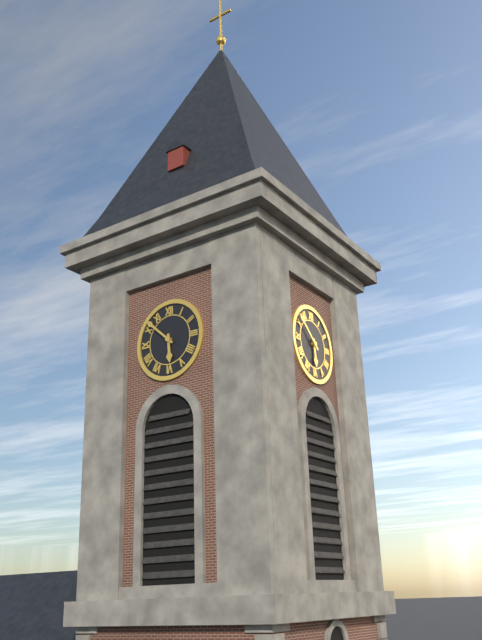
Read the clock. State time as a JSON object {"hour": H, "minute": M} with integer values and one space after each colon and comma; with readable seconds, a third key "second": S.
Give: {"hour": 5, "minute": 52}
